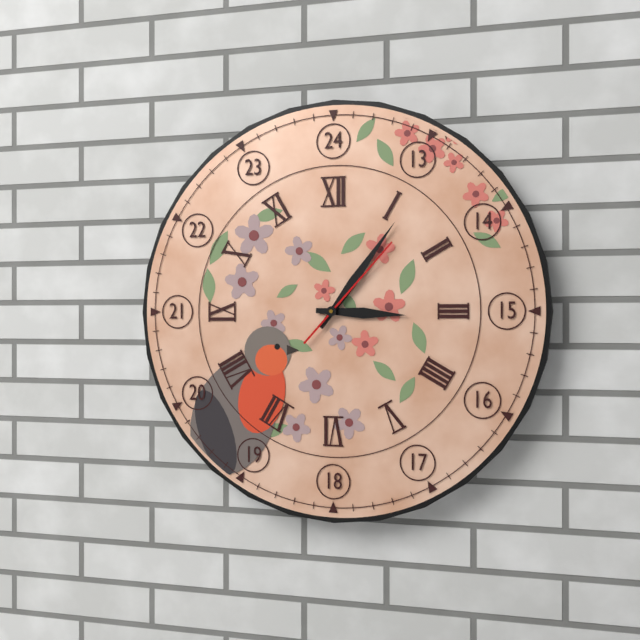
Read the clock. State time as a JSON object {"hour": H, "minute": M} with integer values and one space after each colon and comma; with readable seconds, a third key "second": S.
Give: {"hour": 3, "minute": 6, "second": 7}
